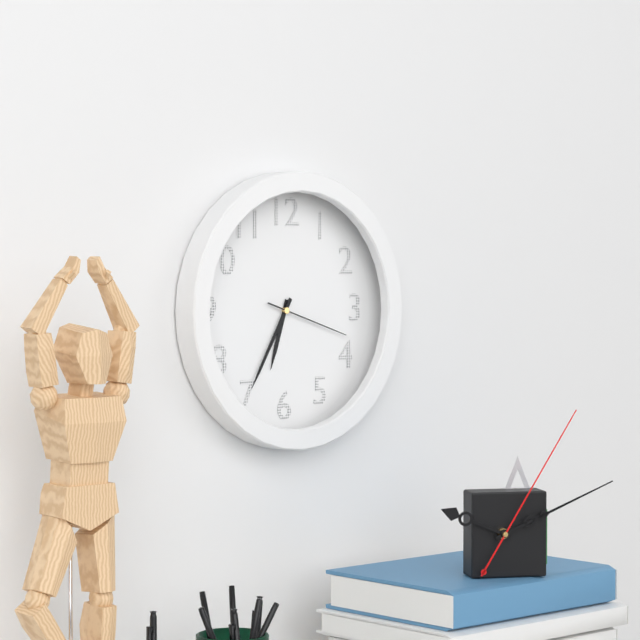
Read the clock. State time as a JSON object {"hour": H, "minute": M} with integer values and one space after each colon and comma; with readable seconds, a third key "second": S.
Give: {"hour": 6, "minute": 35, "second": 18}
